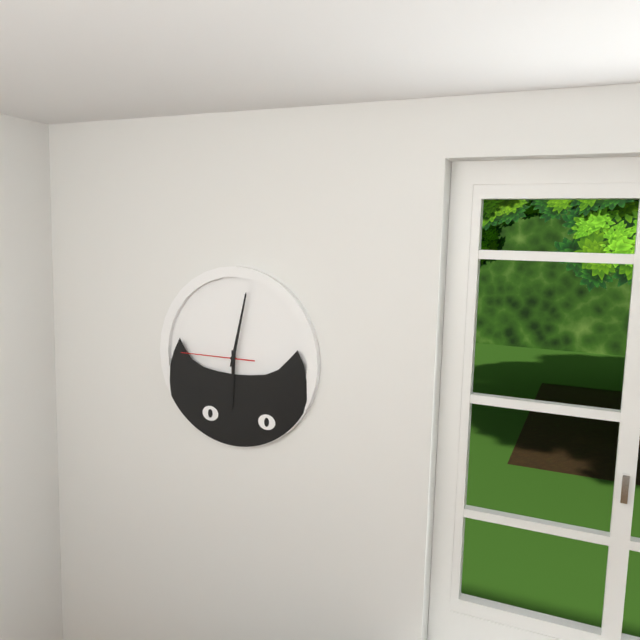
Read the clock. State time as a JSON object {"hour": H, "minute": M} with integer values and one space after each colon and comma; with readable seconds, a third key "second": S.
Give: {"hour": 6, "minute": 2, "second": 45}
